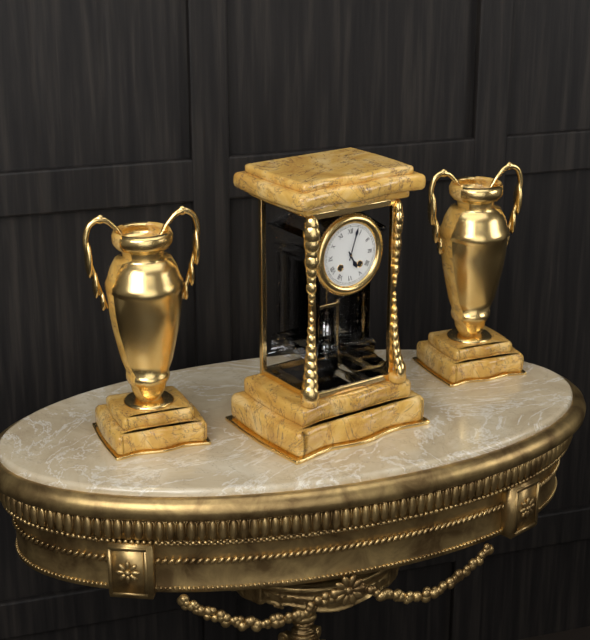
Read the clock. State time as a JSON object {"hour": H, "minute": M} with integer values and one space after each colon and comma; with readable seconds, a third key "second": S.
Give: {"hour": 5, "minute": 3}
